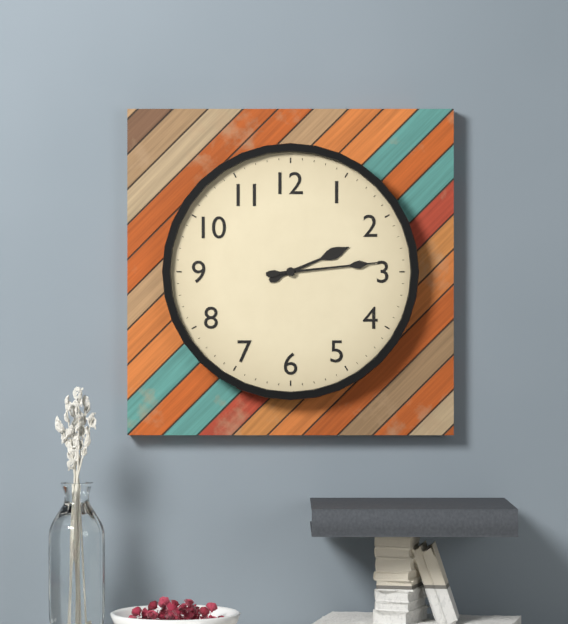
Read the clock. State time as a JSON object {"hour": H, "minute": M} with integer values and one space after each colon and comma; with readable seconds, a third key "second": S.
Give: {"hour": 2, "minute": 14}
